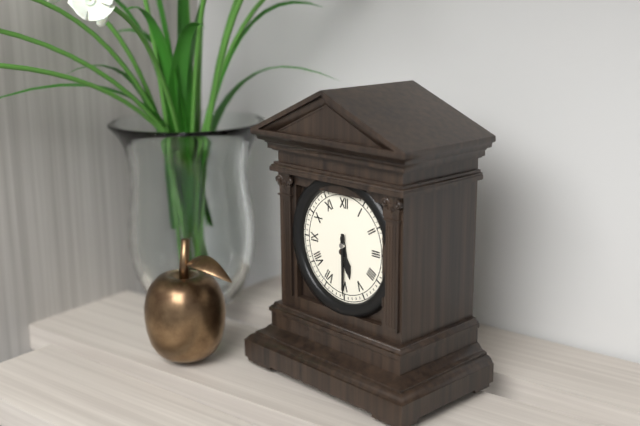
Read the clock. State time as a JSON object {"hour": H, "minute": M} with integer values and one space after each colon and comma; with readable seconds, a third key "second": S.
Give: {"hour": 5, "minute": 30}
